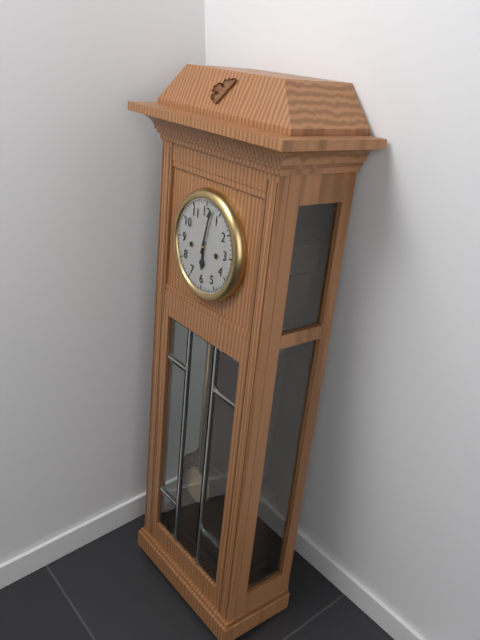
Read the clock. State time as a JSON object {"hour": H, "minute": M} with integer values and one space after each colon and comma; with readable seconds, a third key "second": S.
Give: {"hour": 6, "minute": 2}
